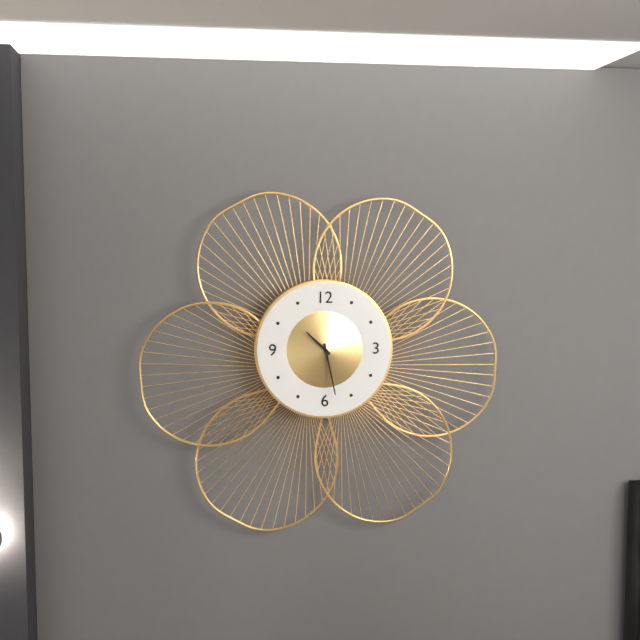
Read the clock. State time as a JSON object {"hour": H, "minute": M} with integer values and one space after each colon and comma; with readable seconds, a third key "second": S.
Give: {"hour": 10, "minute": 28}
